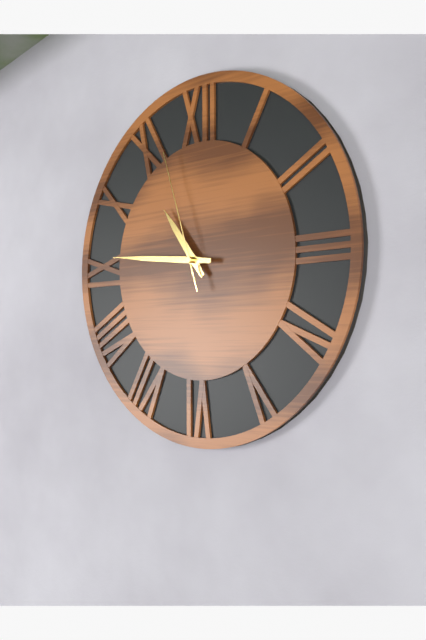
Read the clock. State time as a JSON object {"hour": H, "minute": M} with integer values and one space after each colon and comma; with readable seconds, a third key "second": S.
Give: {"hour": 10, "minute": 46, "second": 57}
